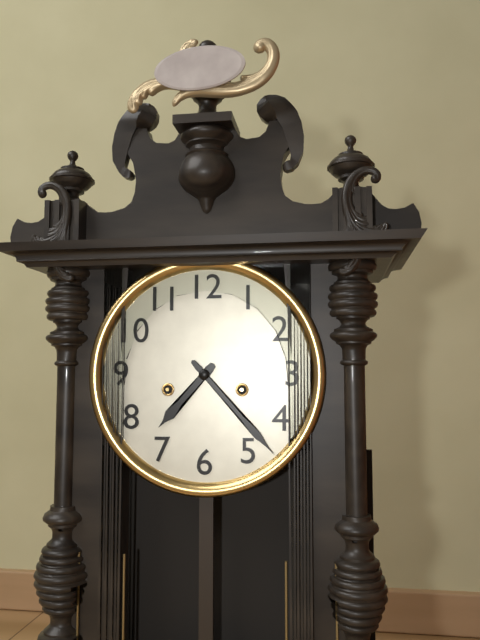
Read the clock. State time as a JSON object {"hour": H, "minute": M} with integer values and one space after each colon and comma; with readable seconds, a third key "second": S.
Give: {"hour": 7, "minute": 23}
